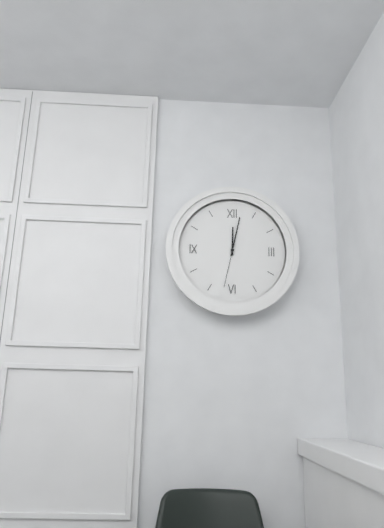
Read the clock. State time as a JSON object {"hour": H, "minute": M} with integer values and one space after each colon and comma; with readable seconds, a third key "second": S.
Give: {"hour": 12, "minute": 2}
